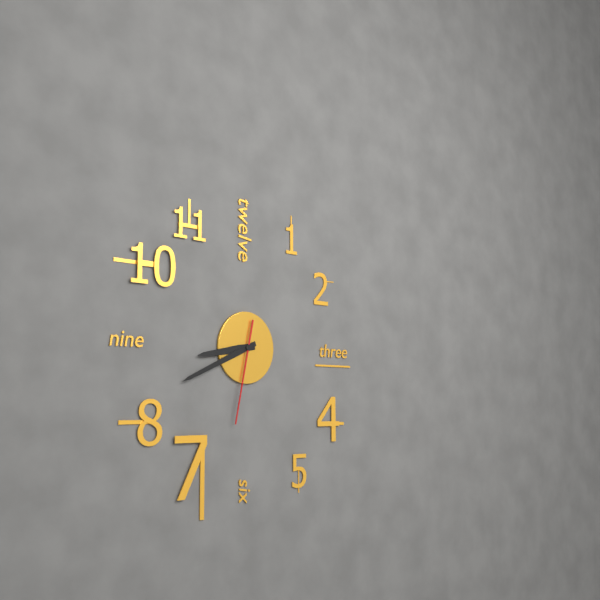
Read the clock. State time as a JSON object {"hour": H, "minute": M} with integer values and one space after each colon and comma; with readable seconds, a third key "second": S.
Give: {"hour": 8, "minute": 41, "second": 32}
